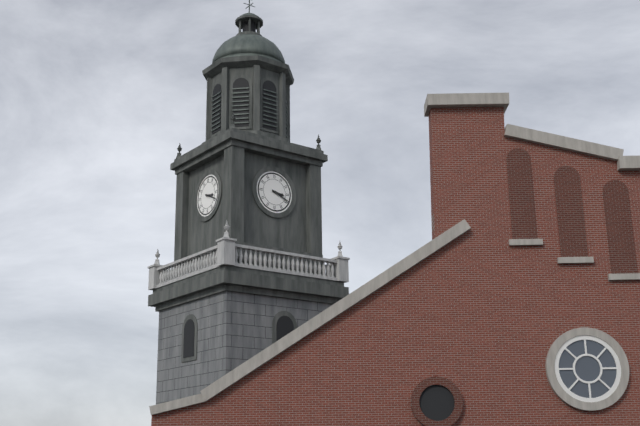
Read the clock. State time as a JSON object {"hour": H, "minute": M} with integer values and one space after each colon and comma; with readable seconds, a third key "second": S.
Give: {"hour": 3, "minute": 19}
